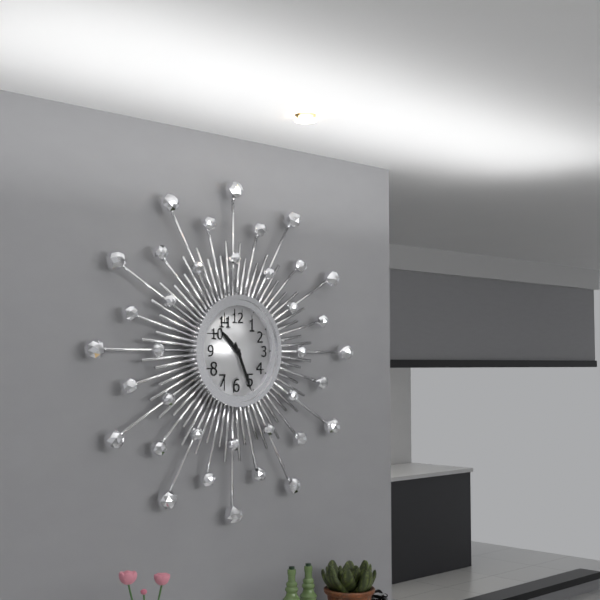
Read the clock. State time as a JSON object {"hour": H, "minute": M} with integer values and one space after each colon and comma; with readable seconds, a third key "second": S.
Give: {"hour": 10, "minute": 26}
